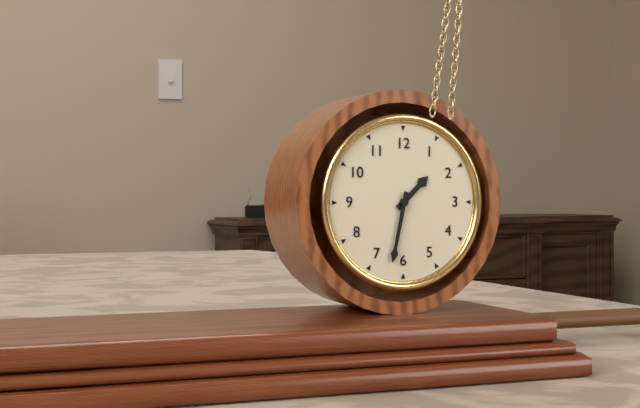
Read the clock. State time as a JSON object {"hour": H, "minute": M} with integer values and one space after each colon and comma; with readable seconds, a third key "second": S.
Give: {"hour": 1, "minute": 32}
